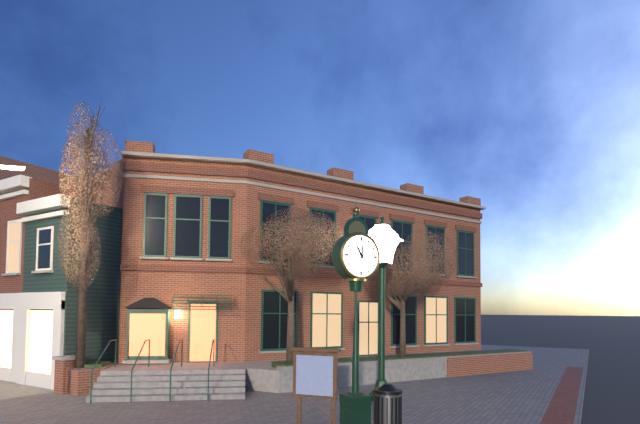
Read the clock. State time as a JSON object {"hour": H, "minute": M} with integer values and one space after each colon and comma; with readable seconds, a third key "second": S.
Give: {"hour": 11, "minute": 1}
